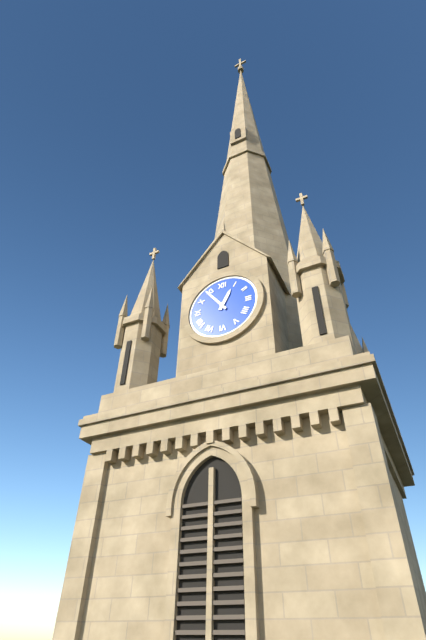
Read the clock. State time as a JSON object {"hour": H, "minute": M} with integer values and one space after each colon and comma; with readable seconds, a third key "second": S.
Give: {"hour": 12, "minute": 54}
